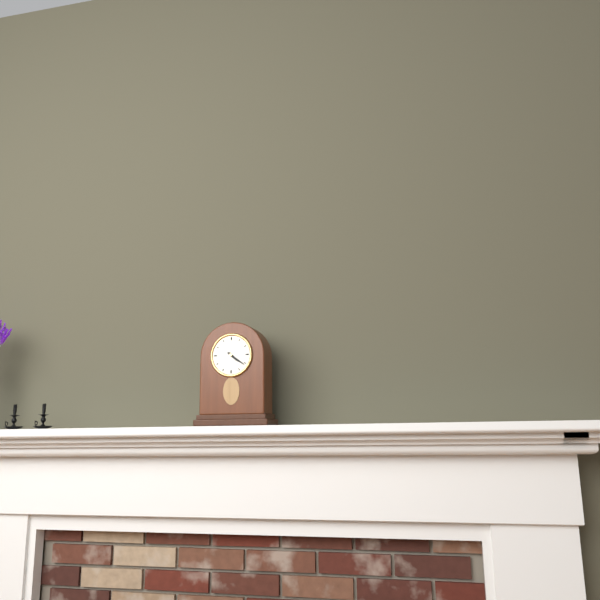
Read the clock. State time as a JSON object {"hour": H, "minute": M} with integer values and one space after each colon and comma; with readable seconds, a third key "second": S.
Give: {"hour": 4, "minute": 21}
